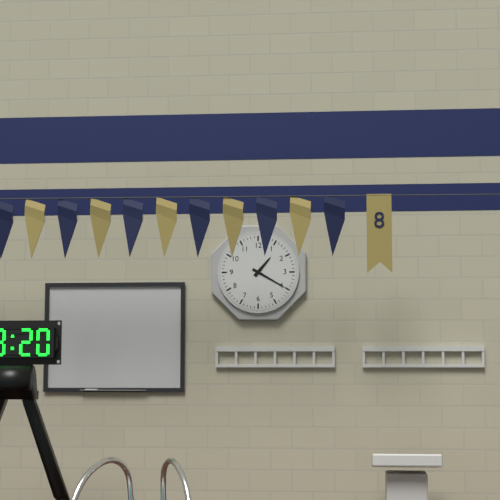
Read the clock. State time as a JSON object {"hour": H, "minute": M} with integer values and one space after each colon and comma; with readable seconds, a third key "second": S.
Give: {"hour": 1, "minute": 20}
